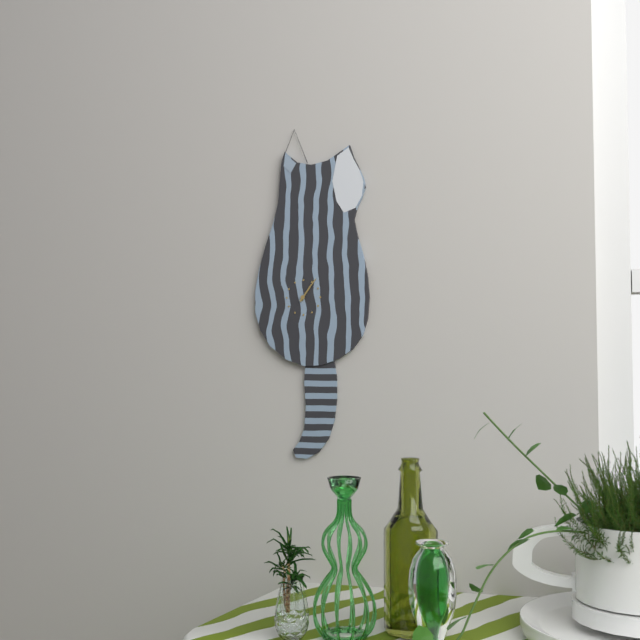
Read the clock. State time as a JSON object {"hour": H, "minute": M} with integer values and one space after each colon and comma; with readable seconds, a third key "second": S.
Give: {"hour": 1, "minute": 6}
